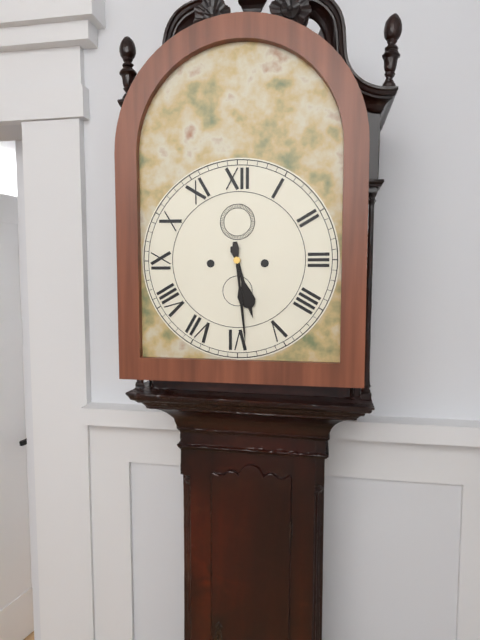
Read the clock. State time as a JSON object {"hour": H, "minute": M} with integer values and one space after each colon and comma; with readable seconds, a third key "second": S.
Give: {"hour": 5, "minute": 29}
